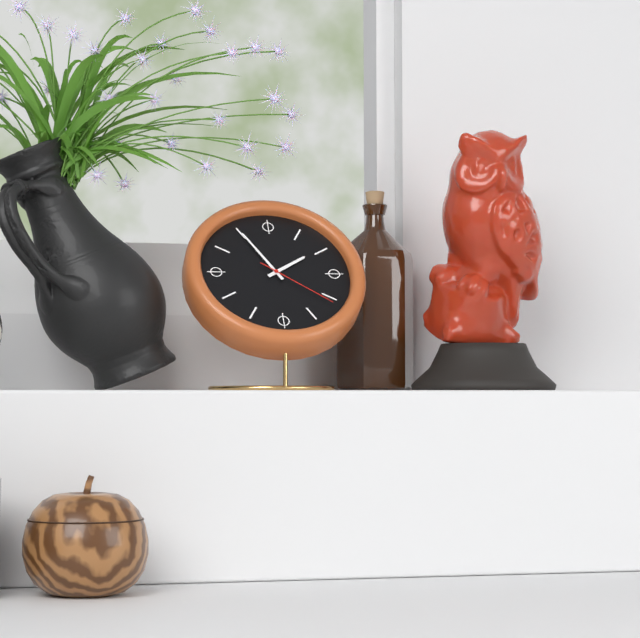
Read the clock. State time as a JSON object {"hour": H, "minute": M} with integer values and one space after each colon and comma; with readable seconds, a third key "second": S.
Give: {"hour": 1, "minute": 55, "second": 21}
